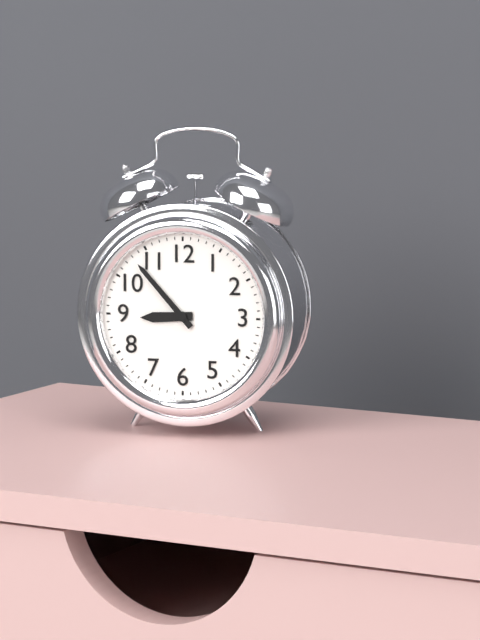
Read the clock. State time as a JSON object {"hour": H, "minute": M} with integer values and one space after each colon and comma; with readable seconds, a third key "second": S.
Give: {"hour": 8, "minute": 53}
